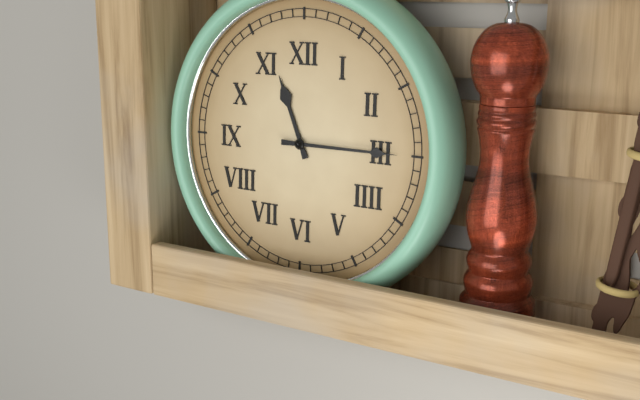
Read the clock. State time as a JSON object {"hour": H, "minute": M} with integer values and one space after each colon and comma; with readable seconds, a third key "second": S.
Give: {"hour": 11, "minute": 15}
